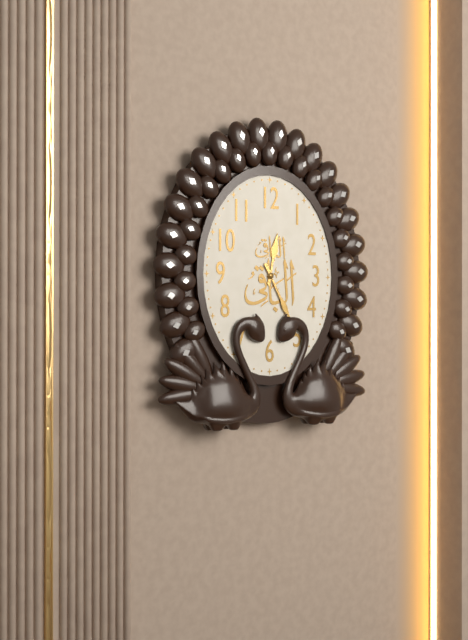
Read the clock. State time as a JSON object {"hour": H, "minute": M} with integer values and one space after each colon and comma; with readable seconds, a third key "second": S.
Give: {"hour": 12, "minute": 25}
